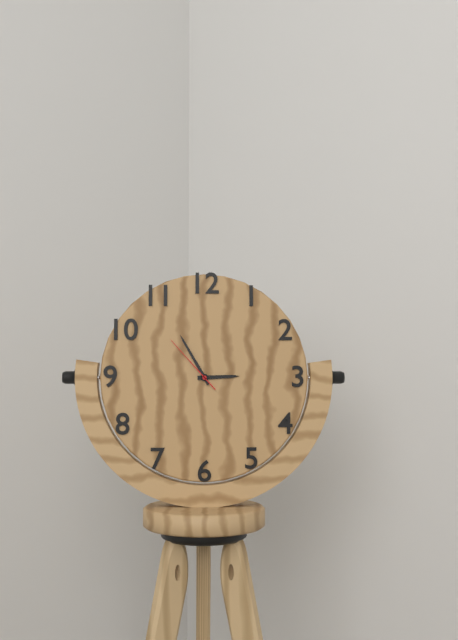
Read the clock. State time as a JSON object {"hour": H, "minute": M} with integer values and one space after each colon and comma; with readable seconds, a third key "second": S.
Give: {"hour": 2, "minute": 55, "second": 53}
